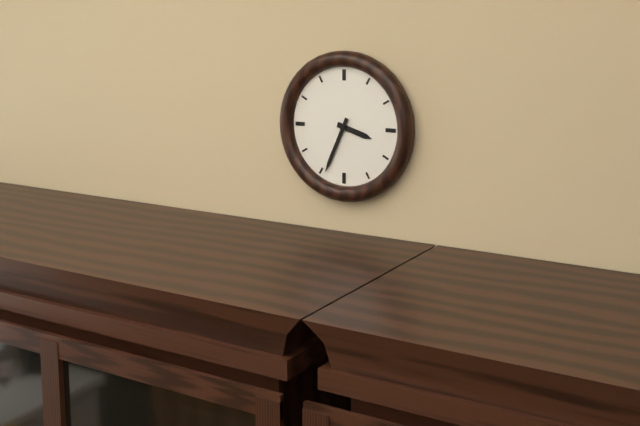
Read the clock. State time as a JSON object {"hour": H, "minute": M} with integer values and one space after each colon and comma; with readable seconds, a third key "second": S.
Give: {"hour": 3, "minute": 34}
